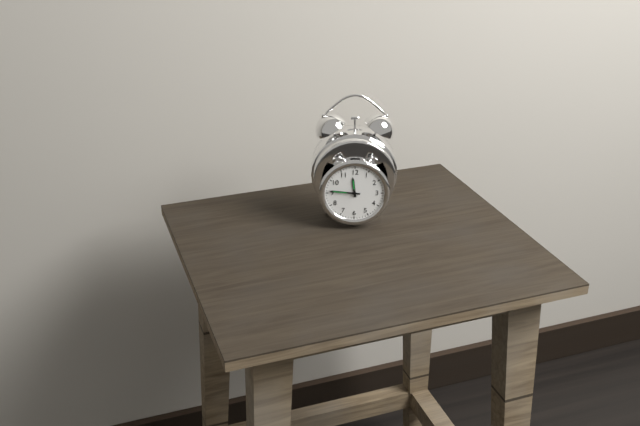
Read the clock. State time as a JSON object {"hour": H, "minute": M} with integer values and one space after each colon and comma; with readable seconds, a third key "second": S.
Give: {"hour": 11, "minute": 46}
